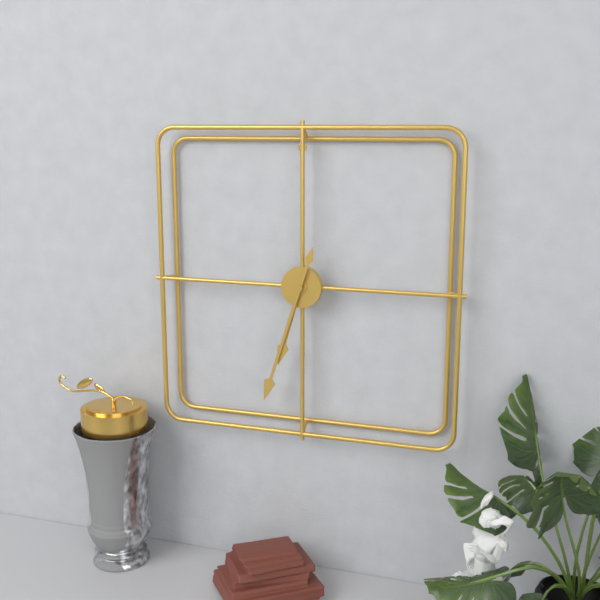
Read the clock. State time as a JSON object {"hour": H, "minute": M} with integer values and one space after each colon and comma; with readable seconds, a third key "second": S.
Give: {"hour": 6, "minute": 33}
